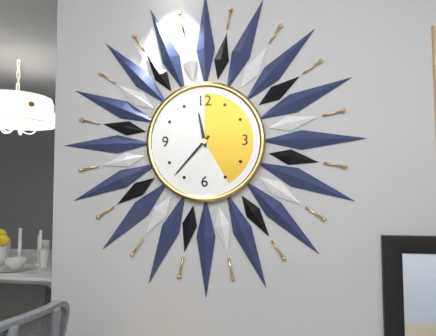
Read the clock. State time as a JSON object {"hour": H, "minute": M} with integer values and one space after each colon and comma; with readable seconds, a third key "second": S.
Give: {"hour": 11, "minute": 37}
